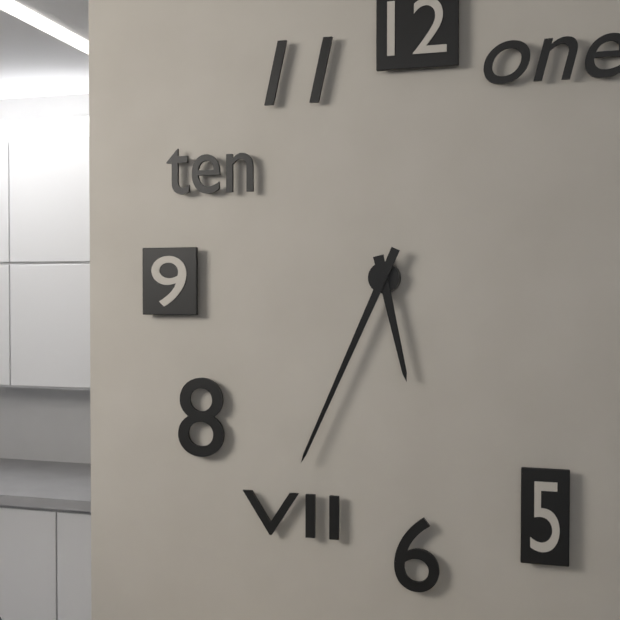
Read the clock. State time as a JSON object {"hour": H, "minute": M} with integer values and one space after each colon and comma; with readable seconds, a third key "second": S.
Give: {"hour": 5, "minute": 34}
